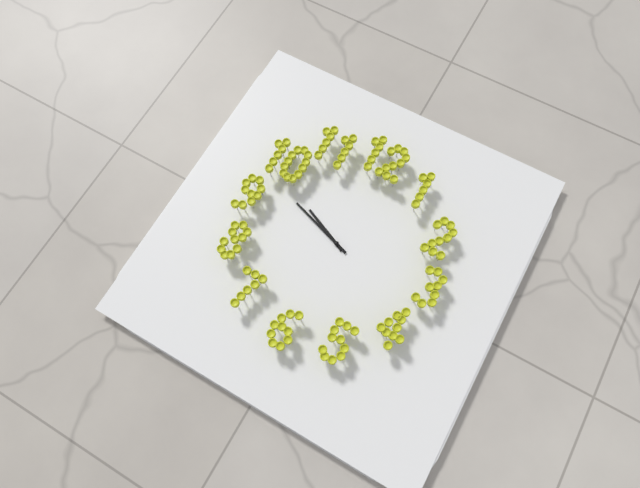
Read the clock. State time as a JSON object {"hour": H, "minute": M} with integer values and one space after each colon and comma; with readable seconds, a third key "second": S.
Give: {"hour": 9, "minute": 48}
